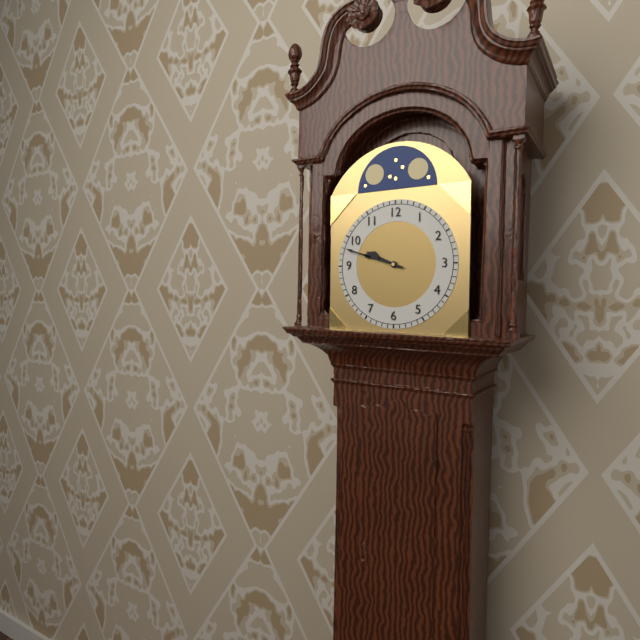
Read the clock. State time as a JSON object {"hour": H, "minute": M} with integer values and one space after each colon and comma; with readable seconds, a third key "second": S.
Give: {"hour": 9, "minute": 48}
